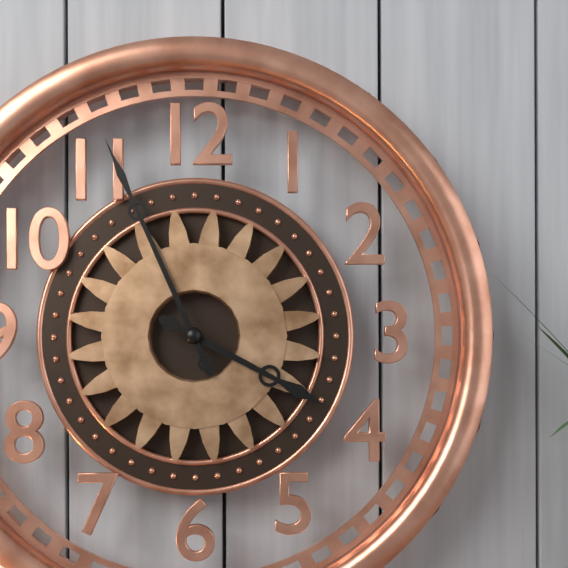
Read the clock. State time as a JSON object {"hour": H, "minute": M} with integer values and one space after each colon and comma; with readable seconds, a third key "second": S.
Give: {"hour": 3, "minute": 56}
